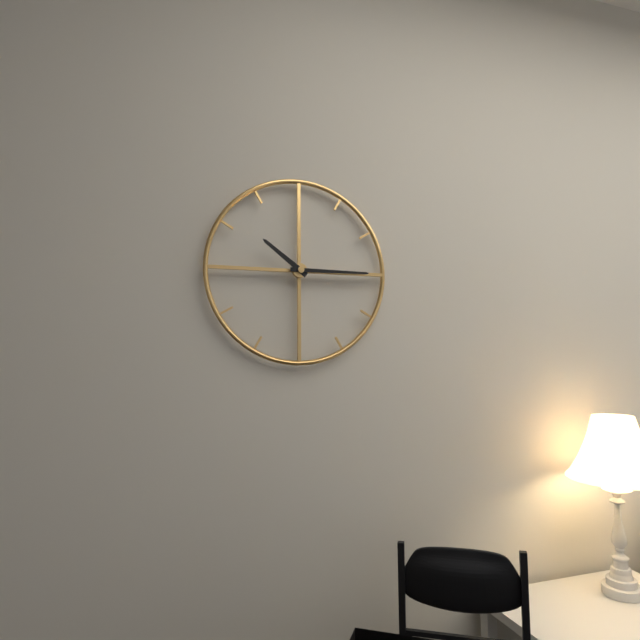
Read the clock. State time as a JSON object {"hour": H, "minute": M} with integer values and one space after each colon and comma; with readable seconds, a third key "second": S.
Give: {"hour": 10, "minute": 15}
